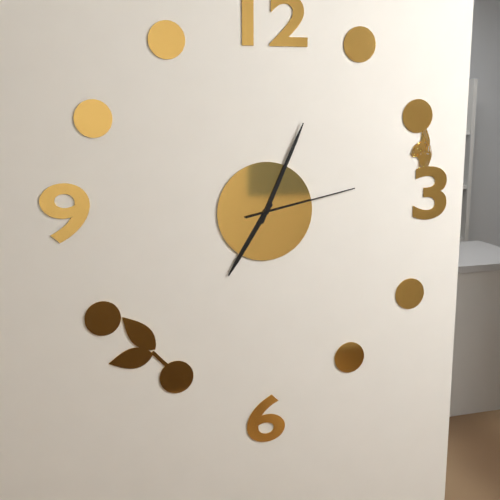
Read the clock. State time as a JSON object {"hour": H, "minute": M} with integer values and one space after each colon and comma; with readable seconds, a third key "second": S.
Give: {"hour": 7, "minute": 4, "second": 13}
